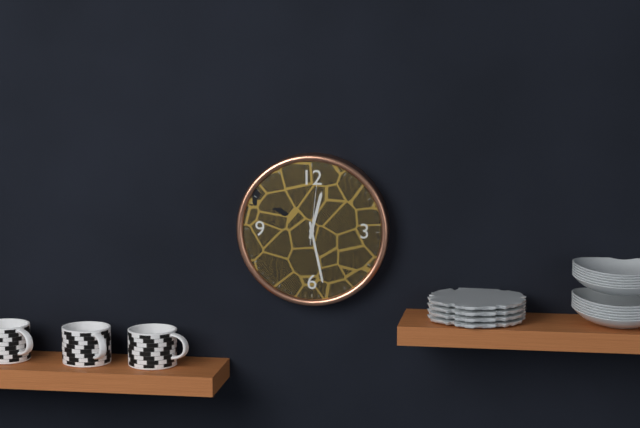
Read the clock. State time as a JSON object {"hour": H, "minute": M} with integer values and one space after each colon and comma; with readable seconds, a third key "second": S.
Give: {"hour": 12, "minute": 28, "second": 1}
